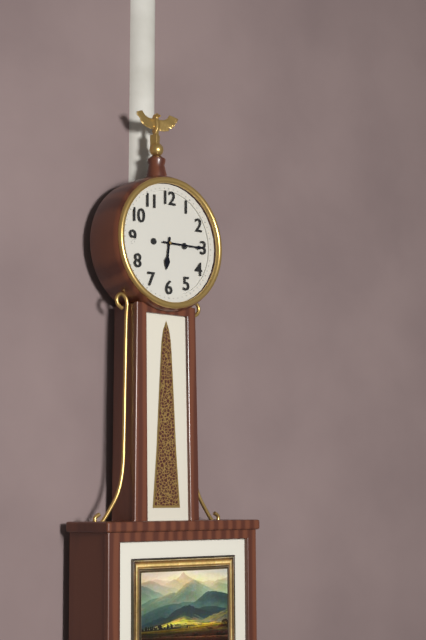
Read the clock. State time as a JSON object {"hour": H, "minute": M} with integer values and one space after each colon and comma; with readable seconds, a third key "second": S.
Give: {"hour": 6, "minute": 15}
